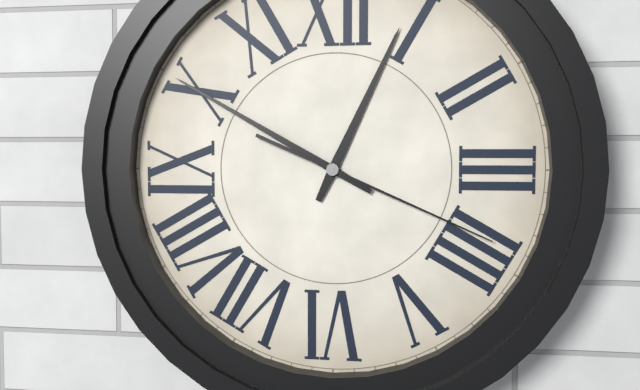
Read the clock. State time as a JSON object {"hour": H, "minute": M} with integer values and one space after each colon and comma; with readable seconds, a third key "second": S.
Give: {"hour": 12, "minute": 50, "second": 19}
